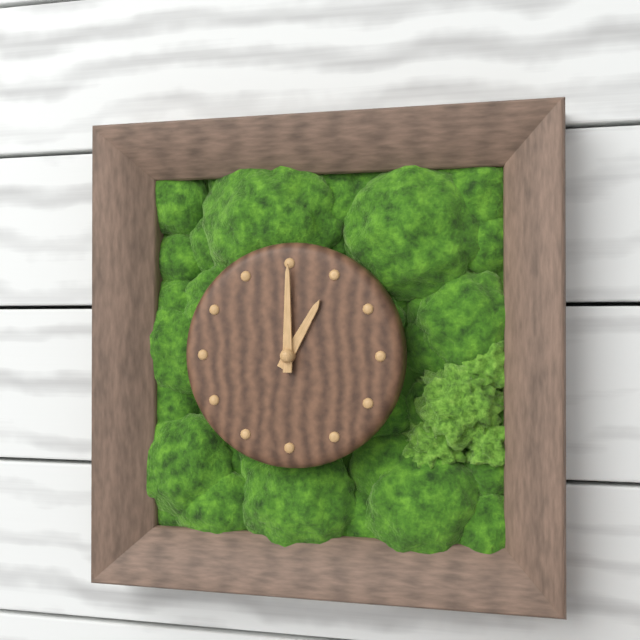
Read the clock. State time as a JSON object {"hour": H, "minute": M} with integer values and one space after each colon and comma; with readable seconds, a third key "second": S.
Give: {"hour": 1, "minute": 0}
